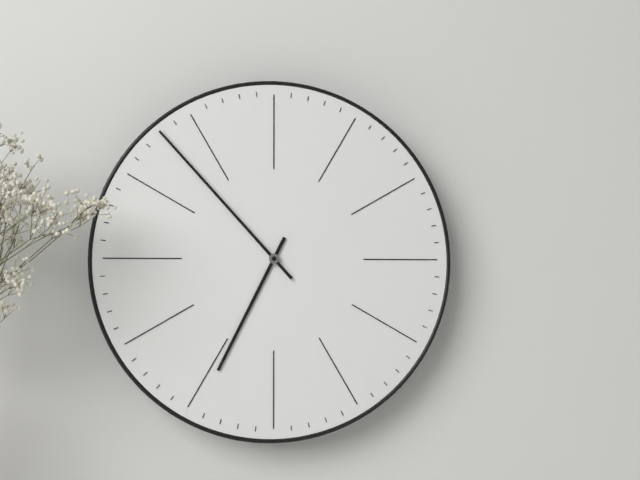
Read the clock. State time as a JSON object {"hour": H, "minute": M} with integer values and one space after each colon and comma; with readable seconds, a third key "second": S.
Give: {"hour": 6, "minute": 53}
